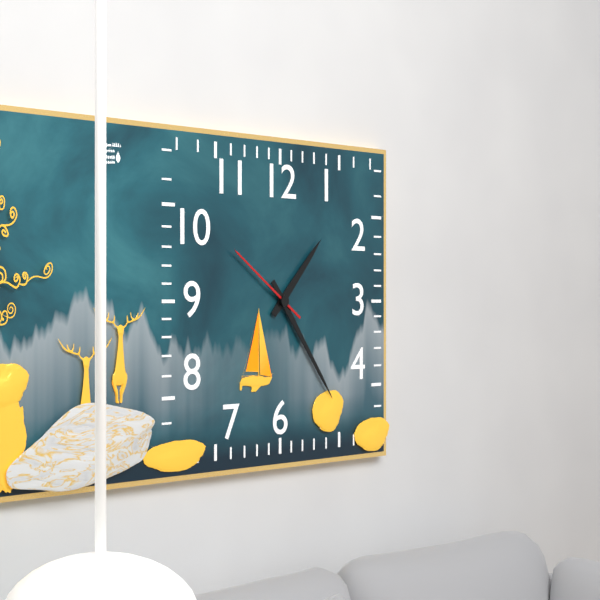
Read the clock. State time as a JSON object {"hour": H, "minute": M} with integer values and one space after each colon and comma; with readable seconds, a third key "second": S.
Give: {"hour": 1, "minute": 24, "second": 51}
